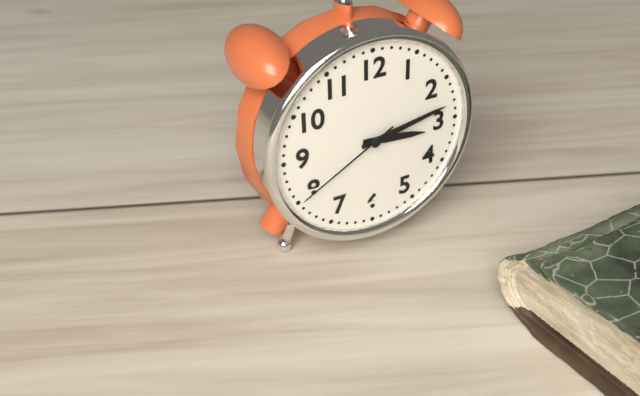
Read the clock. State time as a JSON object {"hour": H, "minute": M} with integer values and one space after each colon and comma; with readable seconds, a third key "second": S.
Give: {"hour": 3, "minute": 13, "second": 40}
